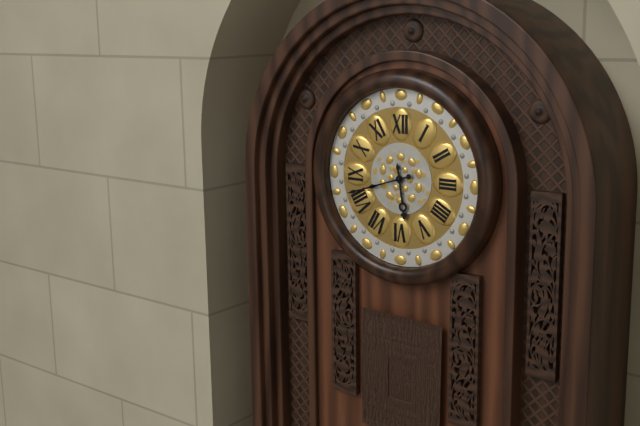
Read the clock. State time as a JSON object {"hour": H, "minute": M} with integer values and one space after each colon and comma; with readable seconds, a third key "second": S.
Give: {"hour": 5, "minute": 42}
